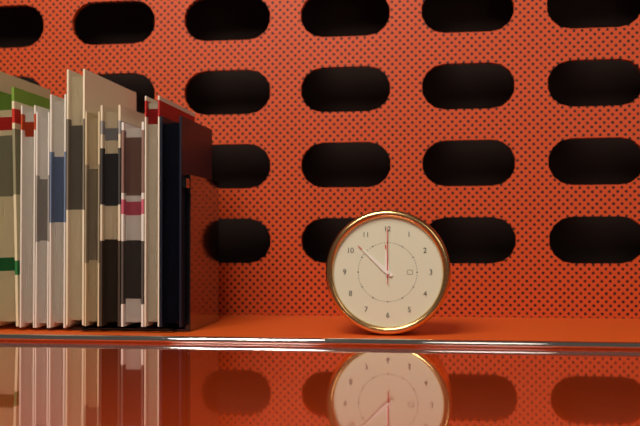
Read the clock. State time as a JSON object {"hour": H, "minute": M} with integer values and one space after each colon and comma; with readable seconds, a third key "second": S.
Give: {"hour": 11, "minute": 52, "second": 0}
